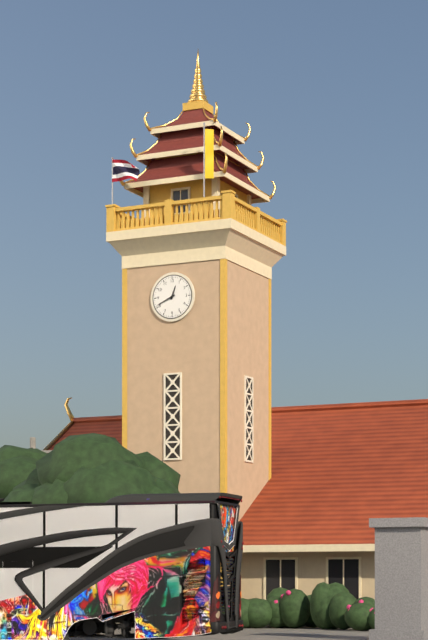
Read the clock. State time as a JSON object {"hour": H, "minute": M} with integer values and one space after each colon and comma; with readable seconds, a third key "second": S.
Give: {"hour": 12, "minute": 41}
